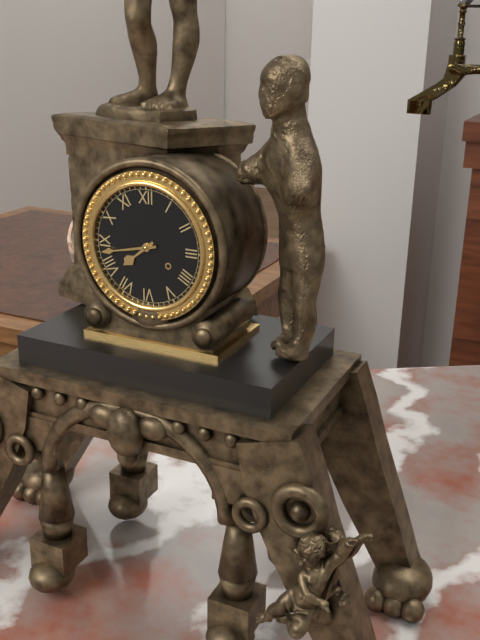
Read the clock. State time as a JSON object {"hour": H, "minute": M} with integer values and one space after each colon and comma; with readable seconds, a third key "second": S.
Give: {"hour": 7, "minute": 43}
